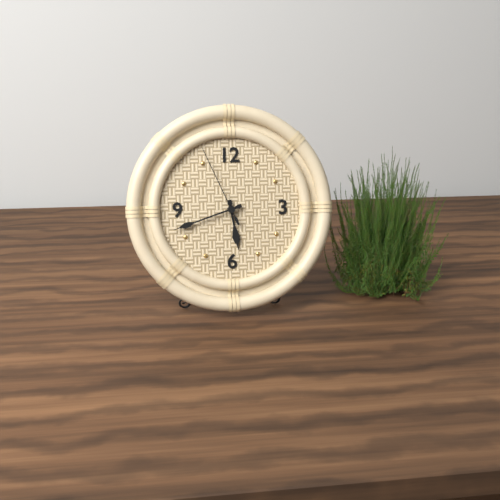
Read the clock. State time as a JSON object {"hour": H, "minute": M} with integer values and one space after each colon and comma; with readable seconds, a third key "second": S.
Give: {"hour": 5, "minute": 42, "second": 56}
